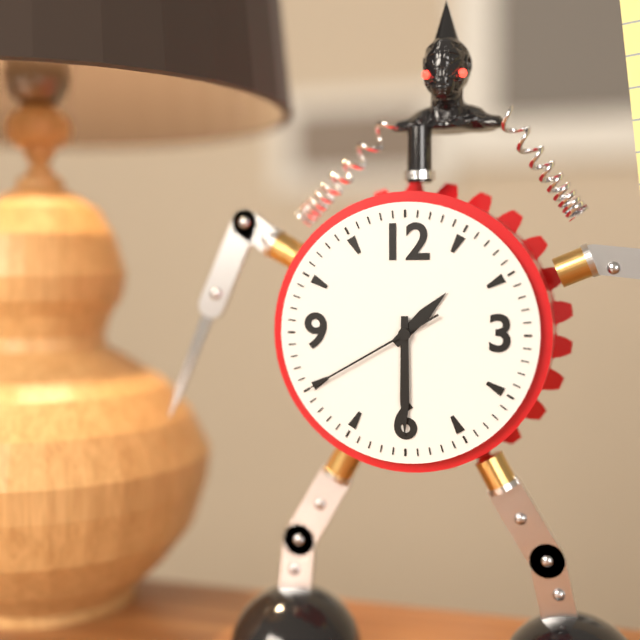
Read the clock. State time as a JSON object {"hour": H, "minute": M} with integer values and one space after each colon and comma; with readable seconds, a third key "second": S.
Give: {"hour": 1, "minute": 30, "second": 40}
